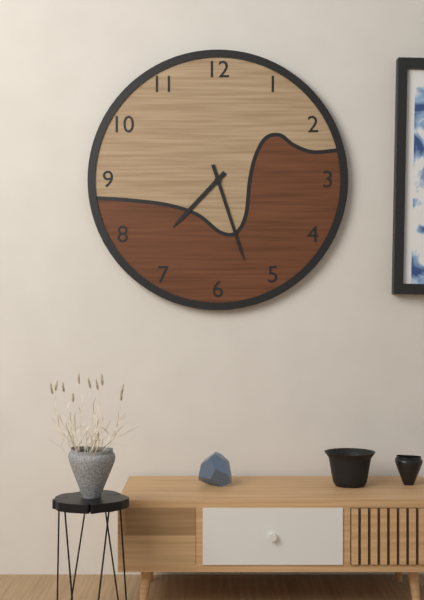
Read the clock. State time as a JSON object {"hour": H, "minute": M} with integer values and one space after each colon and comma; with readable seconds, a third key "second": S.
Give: {"hour": 7, "minute": 27}
